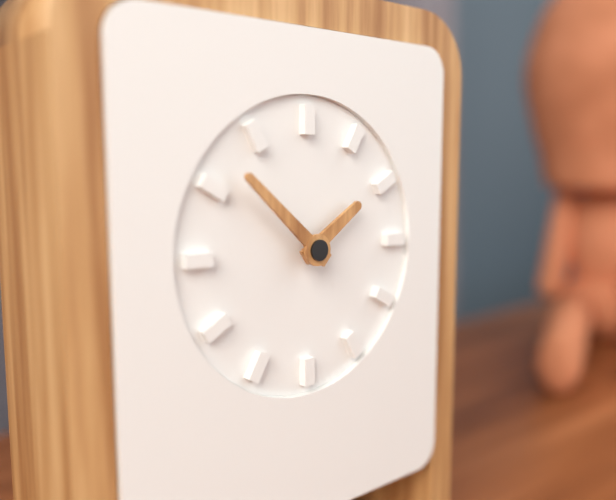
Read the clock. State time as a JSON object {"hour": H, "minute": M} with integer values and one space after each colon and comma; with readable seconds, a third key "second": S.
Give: {"hour": 1, "minute": 52}
